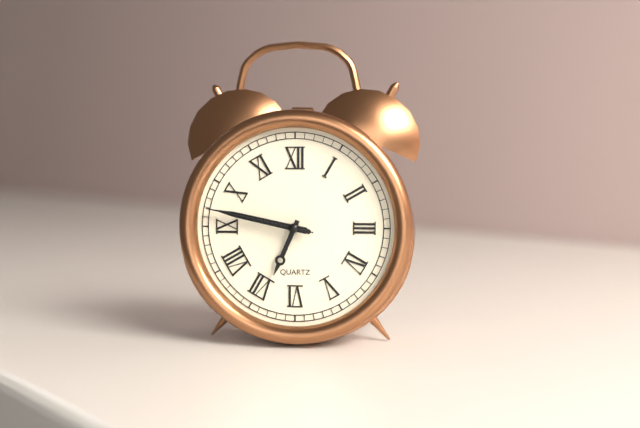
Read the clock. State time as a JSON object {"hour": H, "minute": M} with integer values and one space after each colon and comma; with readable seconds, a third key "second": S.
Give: {"hour": 6, "minute": 47, "second": 47}
